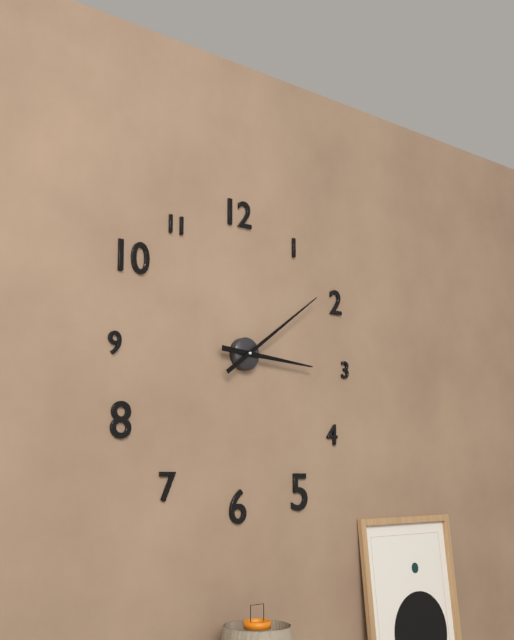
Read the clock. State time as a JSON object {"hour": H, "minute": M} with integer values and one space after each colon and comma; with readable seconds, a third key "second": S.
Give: {"hour": 3, "minute": 9}
